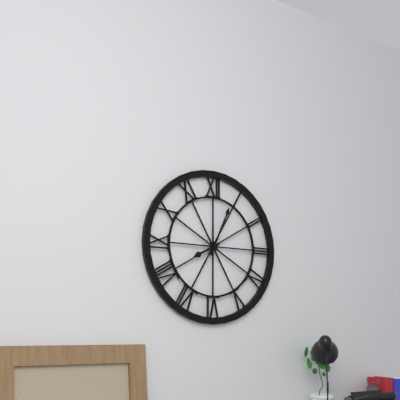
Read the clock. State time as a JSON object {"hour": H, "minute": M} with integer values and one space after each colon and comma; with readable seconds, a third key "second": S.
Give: {"hour": 8, "minute": 4}
